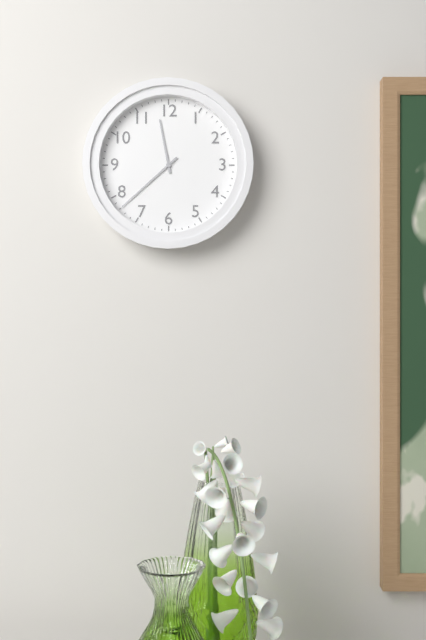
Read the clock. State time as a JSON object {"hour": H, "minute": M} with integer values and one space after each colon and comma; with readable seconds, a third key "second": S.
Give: {"hour": 11, "minute": 38}
